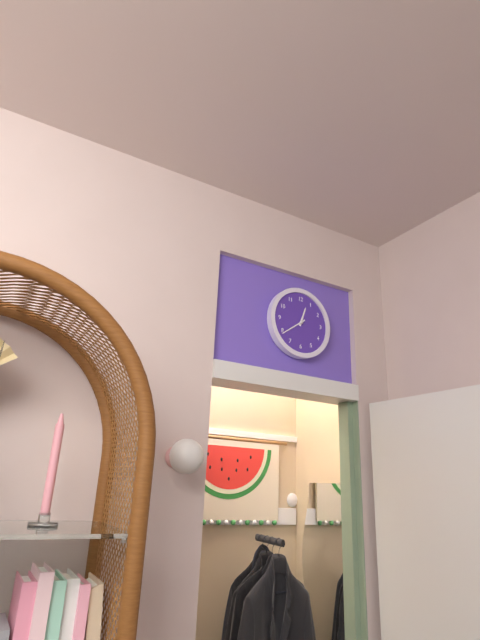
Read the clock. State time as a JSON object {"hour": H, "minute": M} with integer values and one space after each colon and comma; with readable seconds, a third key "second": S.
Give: {"hour": 12, "minute": 39}
